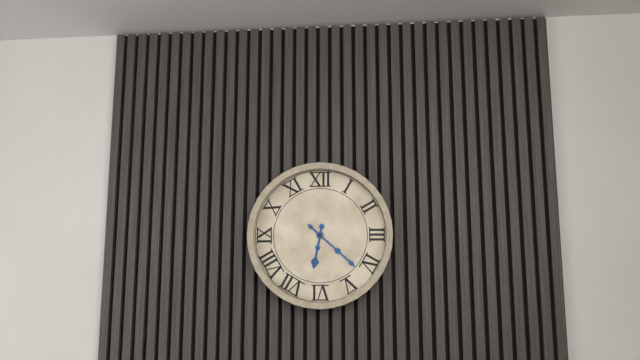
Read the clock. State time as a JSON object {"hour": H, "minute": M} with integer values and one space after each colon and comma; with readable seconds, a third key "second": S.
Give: {"hour": 6, "minute": 22}
